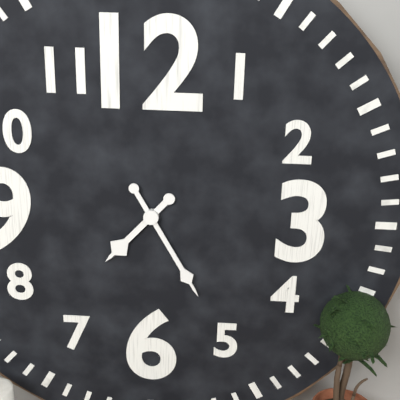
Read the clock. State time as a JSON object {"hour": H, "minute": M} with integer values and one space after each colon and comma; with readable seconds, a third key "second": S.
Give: {"hour": 7, "minute": 25}
